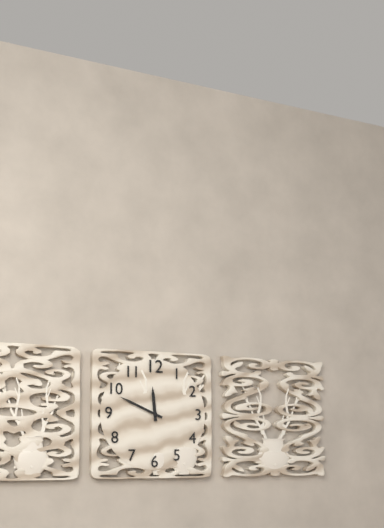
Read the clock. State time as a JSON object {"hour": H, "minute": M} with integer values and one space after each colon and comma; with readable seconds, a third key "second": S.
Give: {"hour": 11, "minute": 49}
